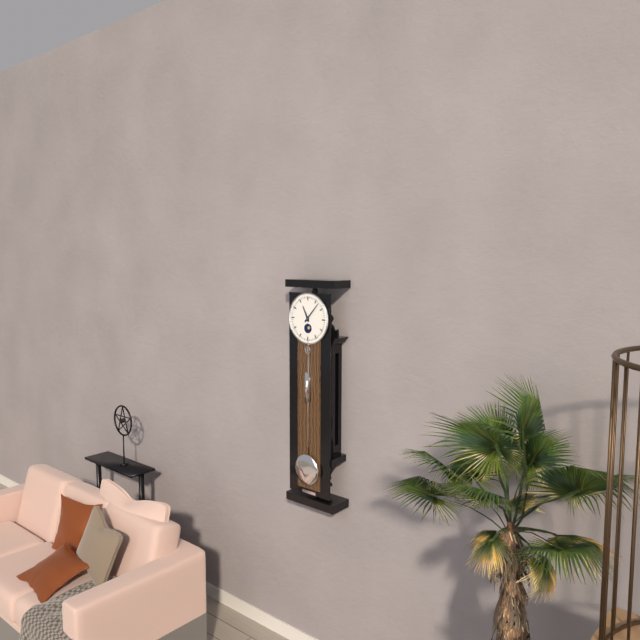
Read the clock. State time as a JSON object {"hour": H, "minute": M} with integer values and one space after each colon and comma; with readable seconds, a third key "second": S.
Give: {"hour": 11, "minute": 7}
